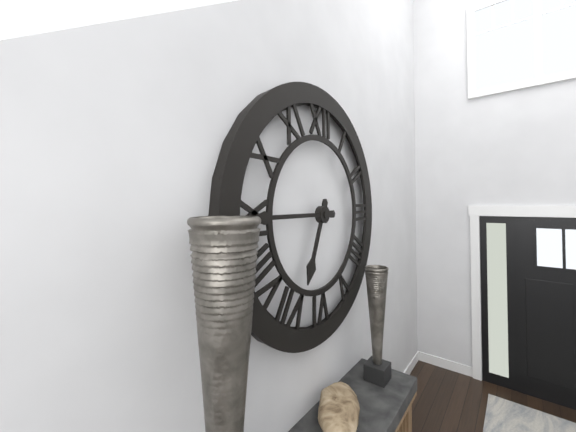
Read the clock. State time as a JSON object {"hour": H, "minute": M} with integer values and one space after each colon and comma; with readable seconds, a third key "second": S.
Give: {"hour": 6, "minute": 45}
